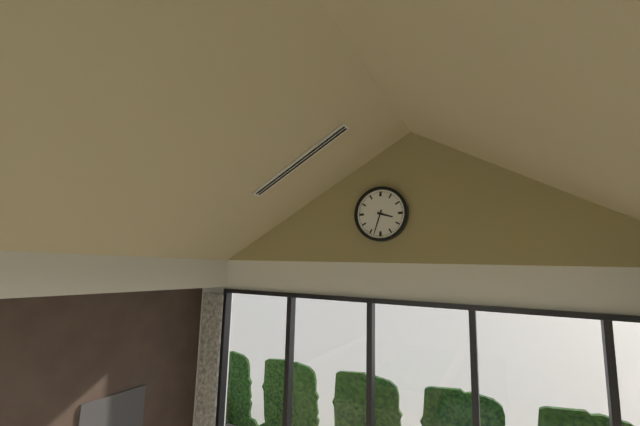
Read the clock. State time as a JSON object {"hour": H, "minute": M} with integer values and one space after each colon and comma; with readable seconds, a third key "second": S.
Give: {"hour": 3, "minute": 33}
